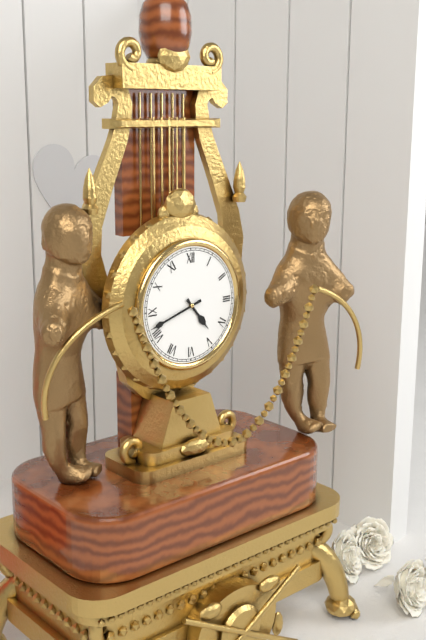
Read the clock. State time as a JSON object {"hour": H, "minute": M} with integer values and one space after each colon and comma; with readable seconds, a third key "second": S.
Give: {"hour": 4, "minute": 42}
